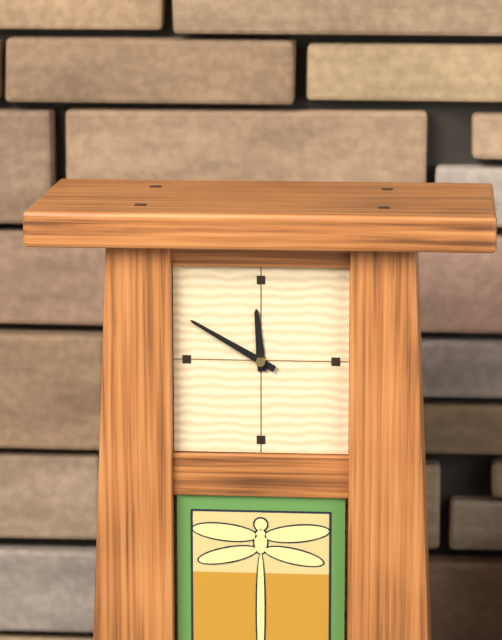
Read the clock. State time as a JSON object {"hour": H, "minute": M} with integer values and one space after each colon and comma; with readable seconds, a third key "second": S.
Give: {"hour": 11, "minute": 50}
